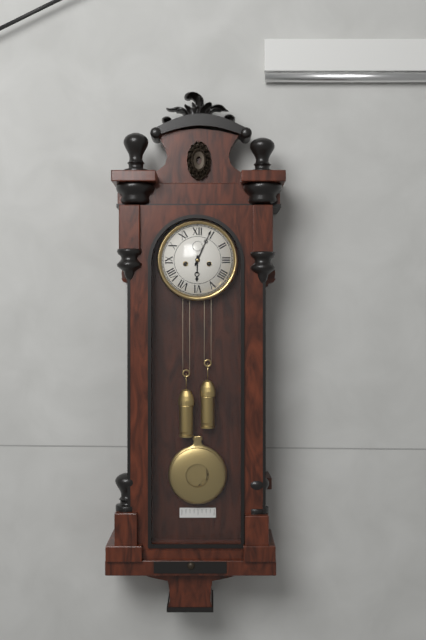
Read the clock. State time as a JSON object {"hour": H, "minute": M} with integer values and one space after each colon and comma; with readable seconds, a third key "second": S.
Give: {"hour": 6, "minute": 4}
